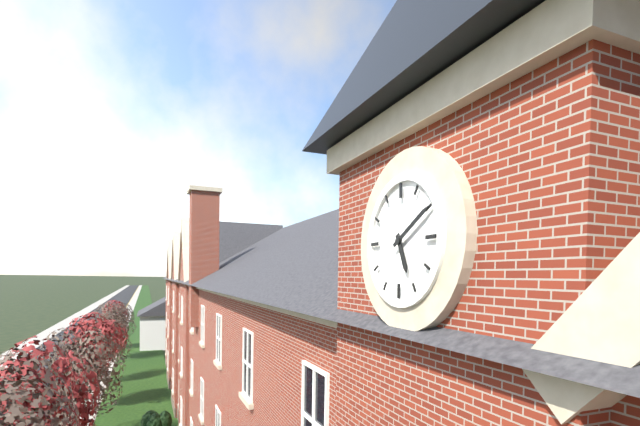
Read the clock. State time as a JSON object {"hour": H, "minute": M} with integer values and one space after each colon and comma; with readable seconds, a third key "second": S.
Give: {"hour": 5, "minute": 10}
